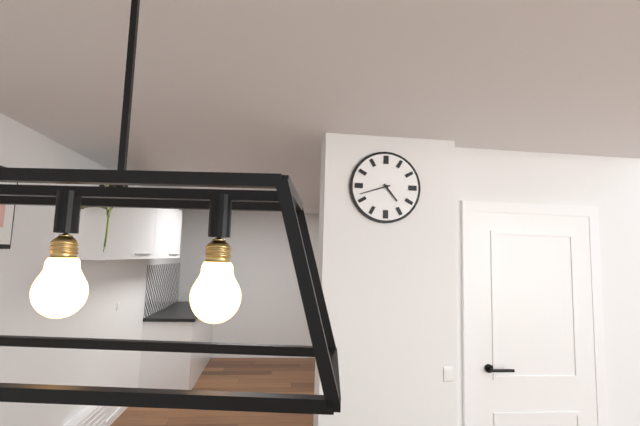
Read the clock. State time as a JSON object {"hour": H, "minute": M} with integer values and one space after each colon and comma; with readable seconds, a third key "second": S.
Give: {"hour": 4, "minute": 42}
